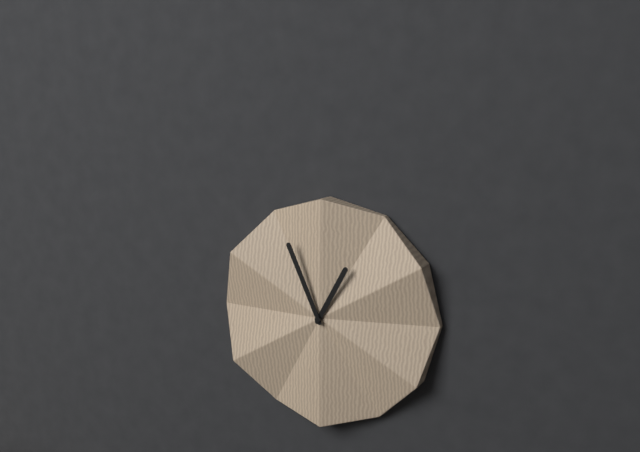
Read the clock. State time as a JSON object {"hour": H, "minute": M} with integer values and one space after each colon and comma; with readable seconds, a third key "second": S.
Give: {"hour": 12, "minute": 56}
